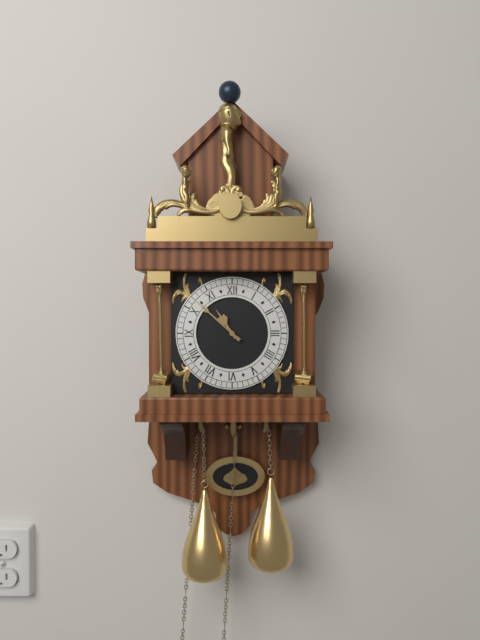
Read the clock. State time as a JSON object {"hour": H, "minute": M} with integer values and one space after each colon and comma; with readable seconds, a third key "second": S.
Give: {"hour": 10, "minute": 52}
